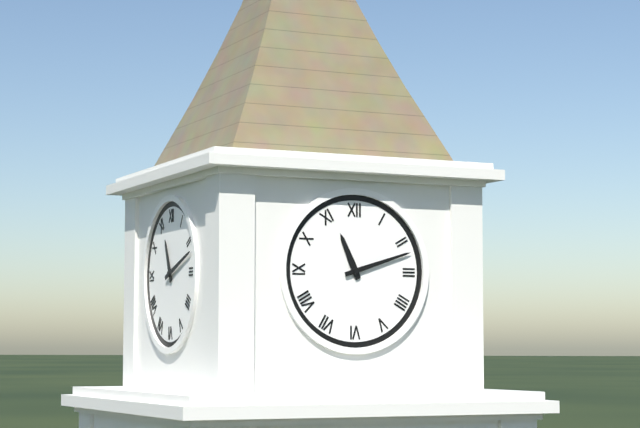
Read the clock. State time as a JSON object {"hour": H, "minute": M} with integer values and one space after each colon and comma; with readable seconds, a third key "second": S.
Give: {"hour": 11, "minute": 12}
